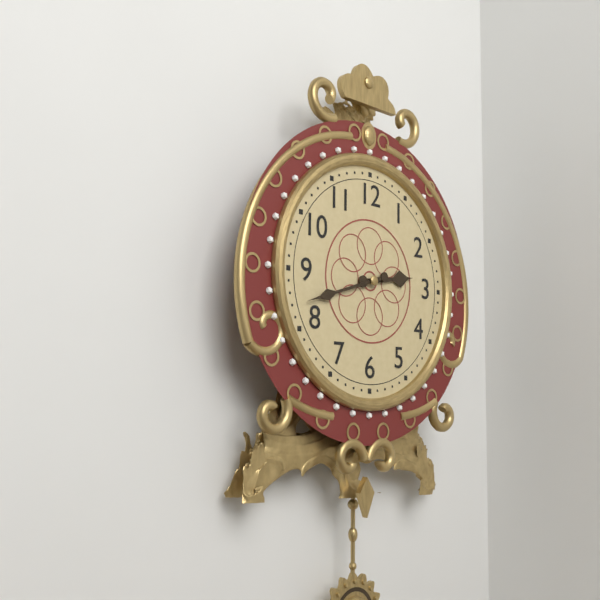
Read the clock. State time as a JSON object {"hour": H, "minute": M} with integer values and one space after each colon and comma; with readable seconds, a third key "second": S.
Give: {"hour": 2, "minute": 42}
